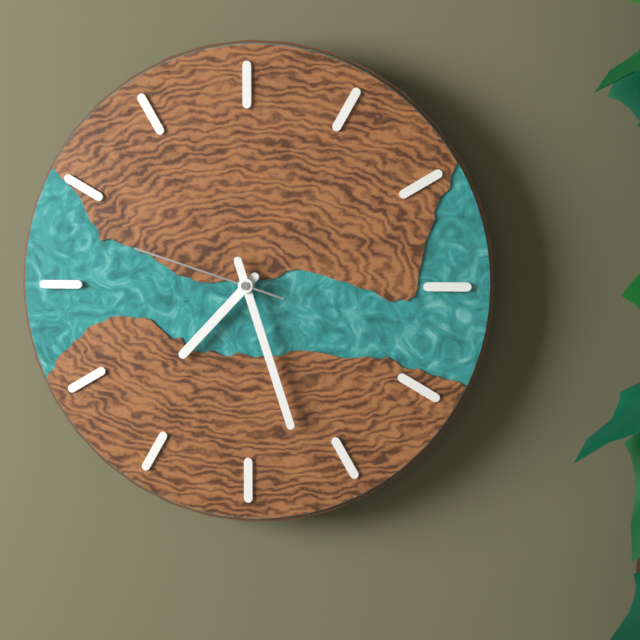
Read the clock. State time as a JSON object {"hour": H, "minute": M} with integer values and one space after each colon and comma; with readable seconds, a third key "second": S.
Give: {"hour": 7, "minute": 27, "second": 48}
